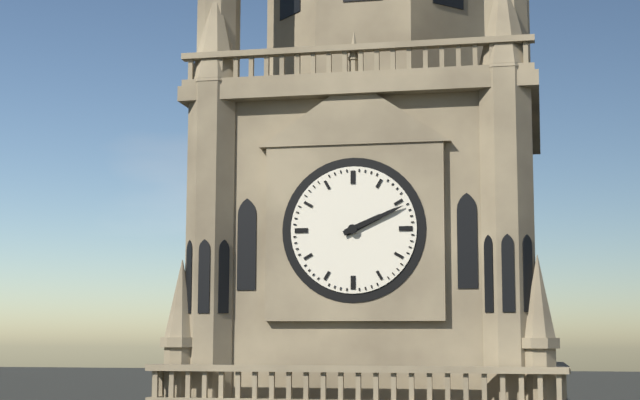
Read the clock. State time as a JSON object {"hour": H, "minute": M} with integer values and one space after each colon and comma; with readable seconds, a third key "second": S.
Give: {"hour": 2, "minute": 11}
